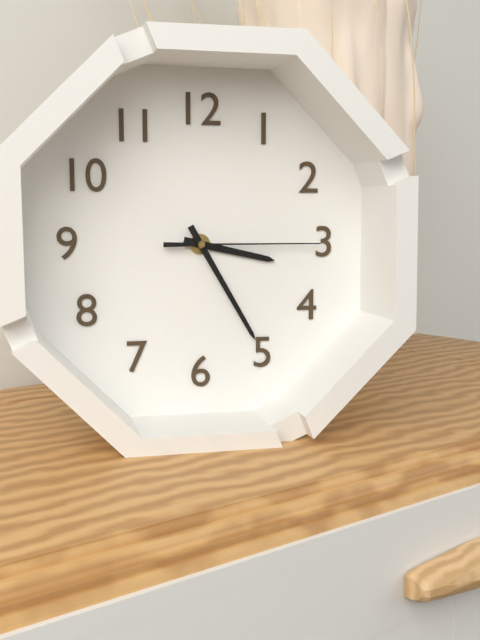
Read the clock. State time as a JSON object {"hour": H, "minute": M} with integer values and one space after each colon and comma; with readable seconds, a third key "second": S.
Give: {"hour": 3, "minute": 25, "second": 15}
